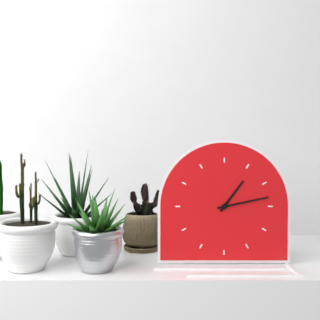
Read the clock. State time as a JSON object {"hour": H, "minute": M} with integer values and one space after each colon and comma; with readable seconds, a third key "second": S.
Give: {"hour": 1, "minute": 13}
